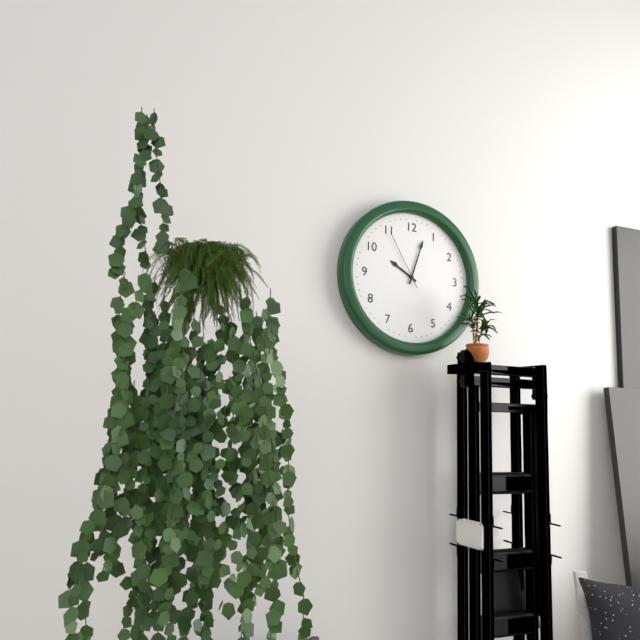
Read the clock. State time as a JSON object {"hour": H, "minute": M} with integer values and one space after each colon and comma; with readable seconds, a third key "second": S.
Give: {"hour": 10, "minute": 3, "second": 55}
